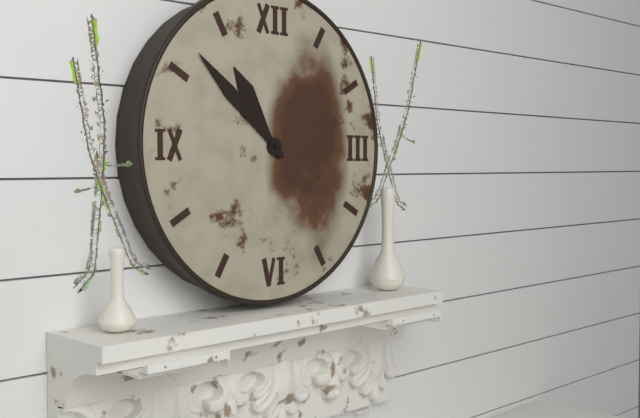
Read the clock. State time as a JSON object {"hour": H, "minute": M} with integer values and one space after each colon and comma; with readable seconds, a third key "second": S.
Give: {"hour": 10, "minute": 52}
